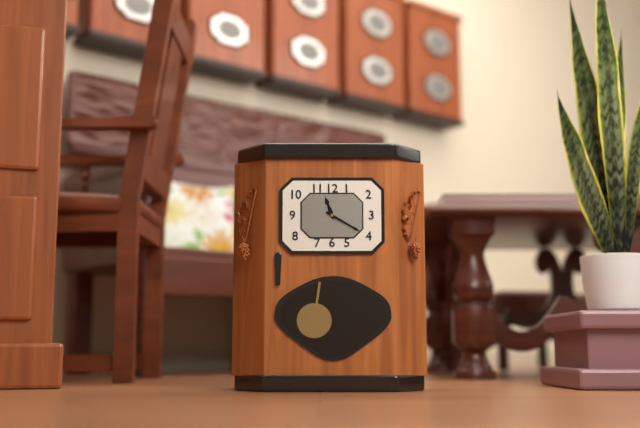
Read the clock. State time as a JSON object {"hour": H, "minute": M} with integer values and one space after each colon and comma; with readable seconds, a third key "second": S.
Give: {"hour": 11, "minute": 20}
